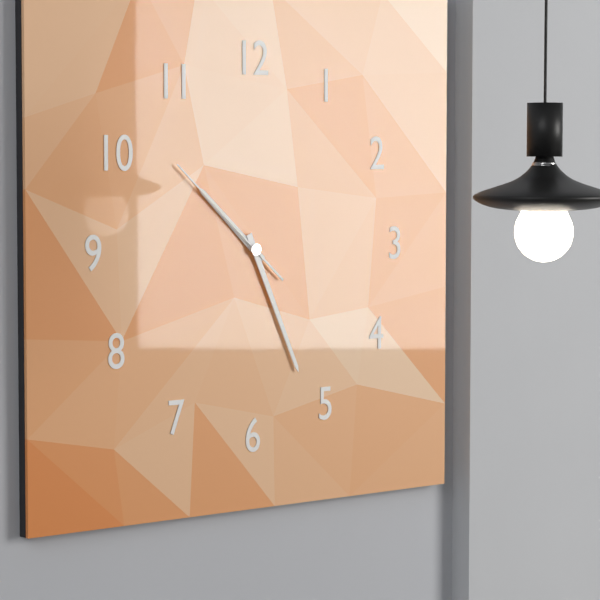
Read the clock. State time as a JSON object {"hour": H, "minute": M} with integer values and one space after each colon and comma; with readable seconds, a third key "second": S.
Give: {"hour": 10, "minute": 26, "second": 52}
